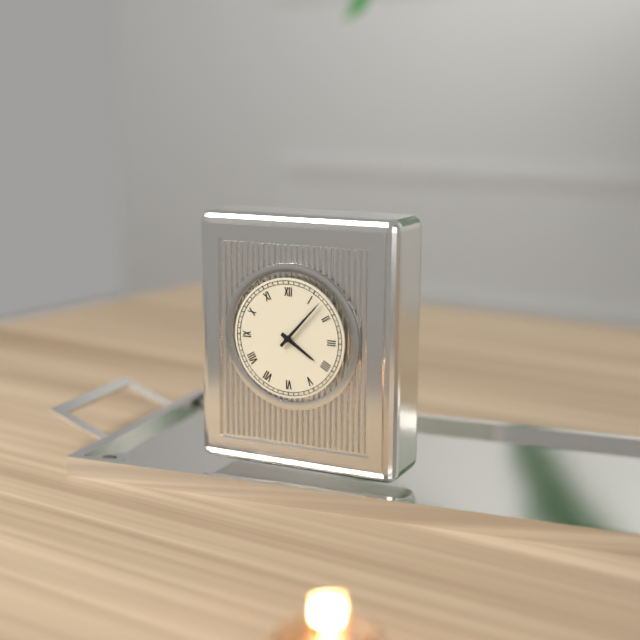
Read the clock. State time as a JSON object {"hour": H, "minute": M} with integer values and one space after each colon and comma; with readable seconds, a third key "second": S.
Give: {"hour": 4, "minute": 7}
